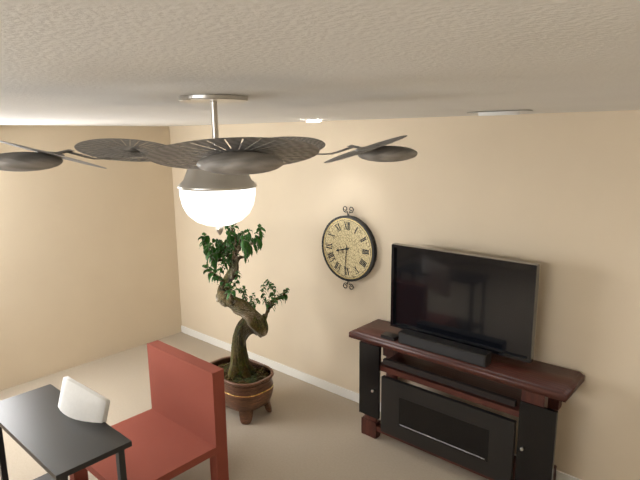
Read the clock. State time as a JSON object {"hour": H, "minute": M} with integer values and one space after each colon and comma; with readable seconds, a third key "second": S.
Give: {"hour": 8, "minute": 31}
